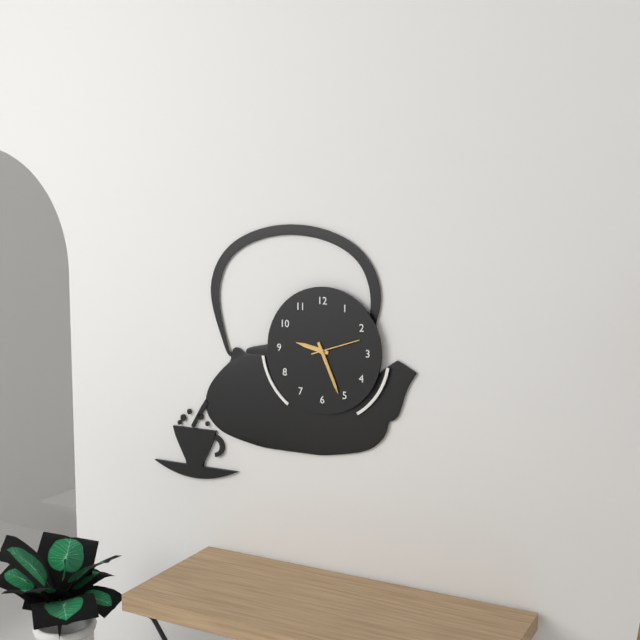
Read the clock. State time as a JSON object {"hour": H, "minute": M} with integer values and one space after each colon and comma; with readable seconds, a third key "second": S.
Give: {"hour": 9, "minute": 26, "second": 12}
